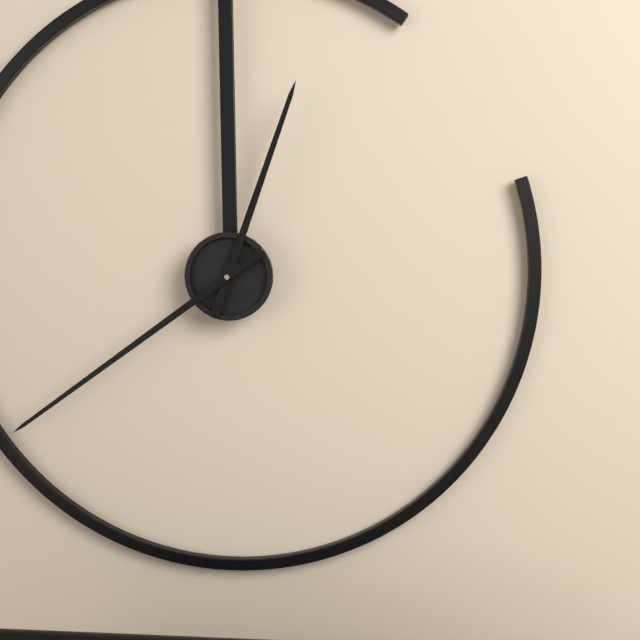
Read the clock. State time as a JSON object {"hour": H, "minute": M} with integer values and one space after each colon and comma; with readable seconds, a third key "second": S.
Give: {"hour": 12, "minute": 39}
